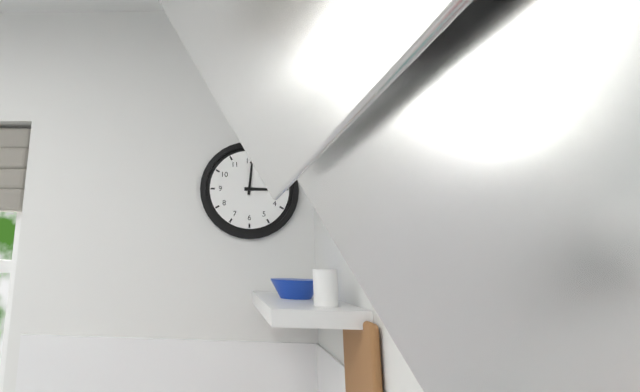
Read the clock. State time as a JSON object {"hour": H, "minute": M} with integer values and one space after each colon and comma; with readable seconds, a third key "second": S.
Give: {"hour": 3, "minute": 1}
